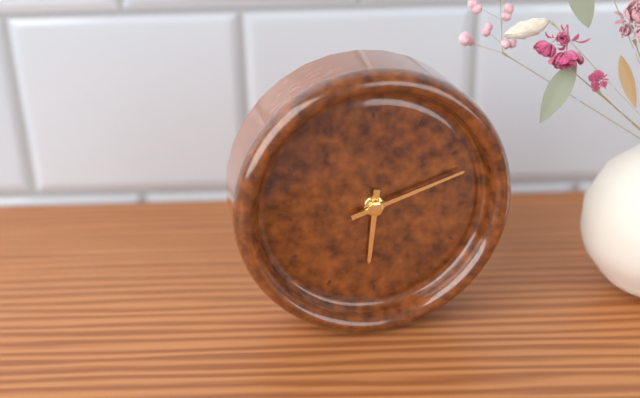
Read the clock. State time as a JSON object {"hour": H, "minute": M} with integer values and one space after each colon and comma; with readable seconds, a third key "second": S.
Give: {"hour": 6, "minute": 12}
